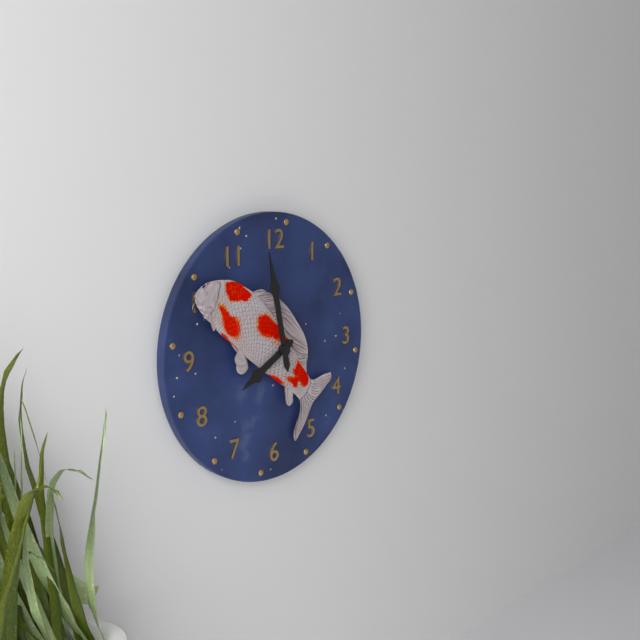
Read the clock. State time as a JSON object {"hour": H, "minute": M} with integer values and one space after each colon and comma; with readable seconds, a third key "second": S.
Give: {"hour": 7, "minute": 58}
